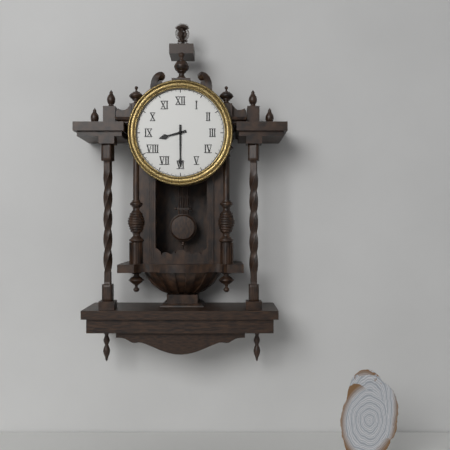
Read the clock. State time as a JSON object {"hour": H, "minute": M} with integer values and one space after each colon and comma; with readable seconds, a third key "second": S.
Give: {"hour": 8, "minute": 30}
